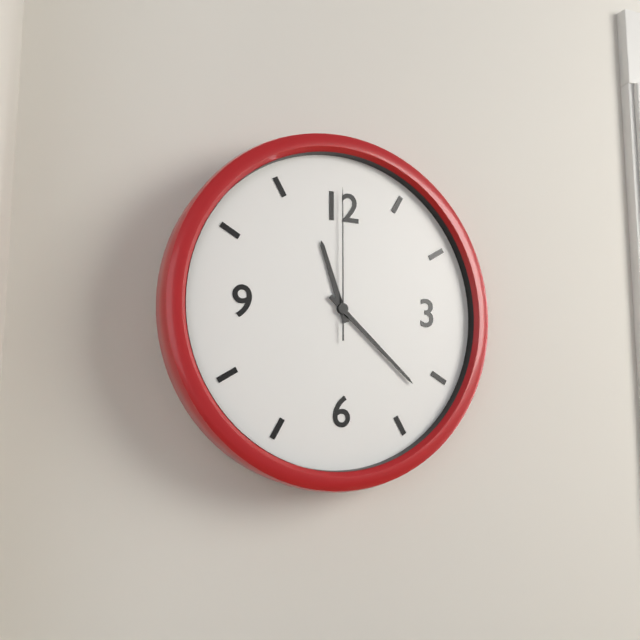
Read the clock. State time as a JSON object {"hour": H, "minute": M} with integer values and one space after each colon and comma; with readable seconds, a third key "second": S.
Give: {"hour": 11, "minute": 22, "second": 0}
